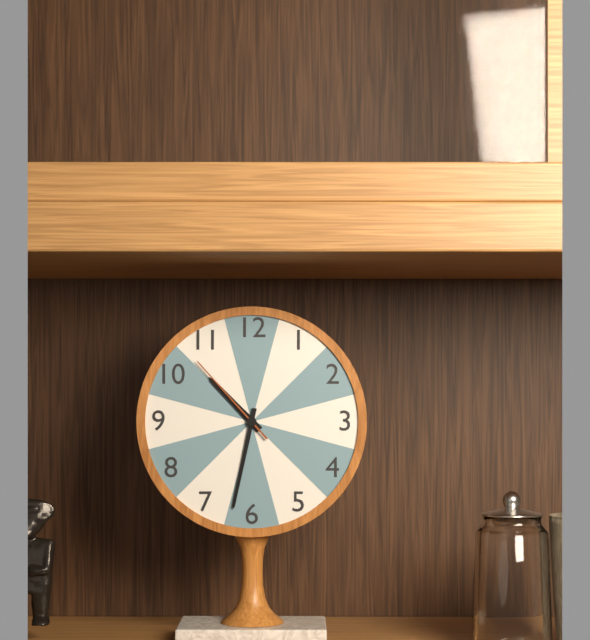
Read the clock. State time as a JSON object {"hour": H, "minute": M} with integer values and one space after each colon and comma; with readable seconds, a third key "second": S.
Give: {"hour": 10, "minute": 32, "second": 53}
